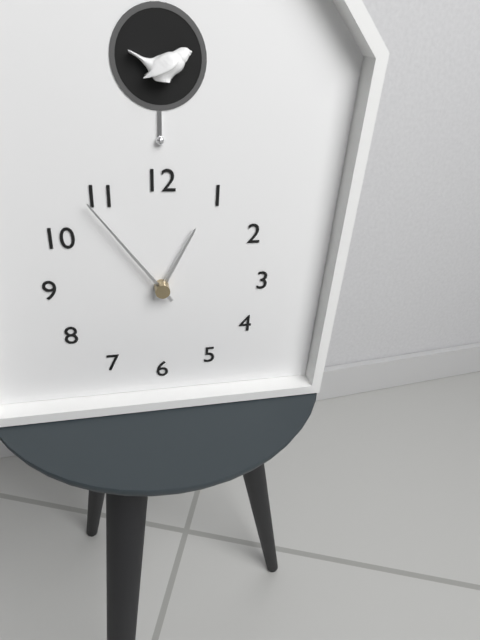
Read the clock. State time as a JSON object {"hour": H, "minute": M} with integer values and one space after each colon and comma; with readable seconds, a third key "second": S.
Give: {"hour": 12, "minute": 54}
